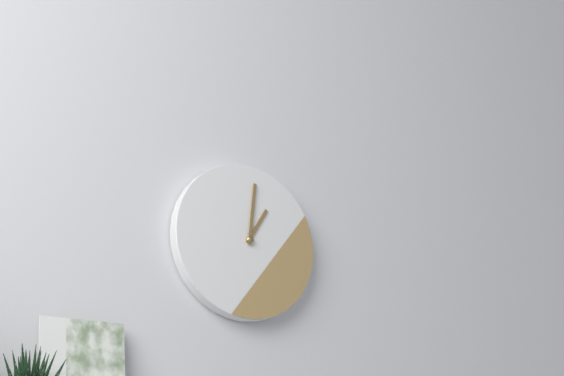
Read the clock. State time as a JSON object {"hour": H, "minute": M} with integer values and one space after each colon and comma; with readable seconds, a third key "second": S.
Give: {"hour": 1, "minute": 1}
